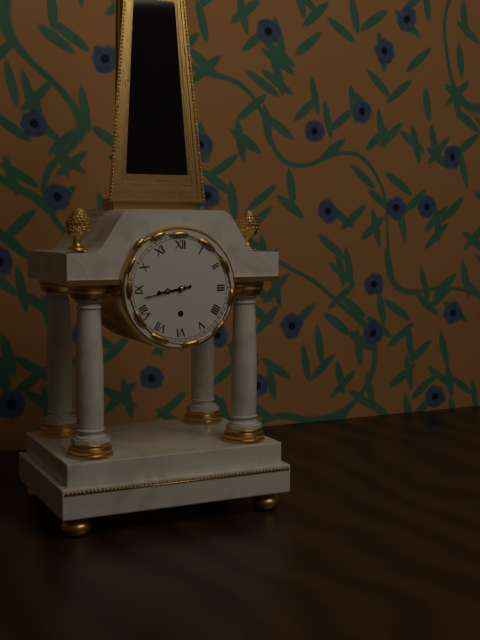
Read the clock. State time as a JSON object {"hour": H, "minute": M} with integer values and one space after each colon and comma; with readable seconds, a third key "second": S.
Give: {"hour": 8, "minute": 43}
